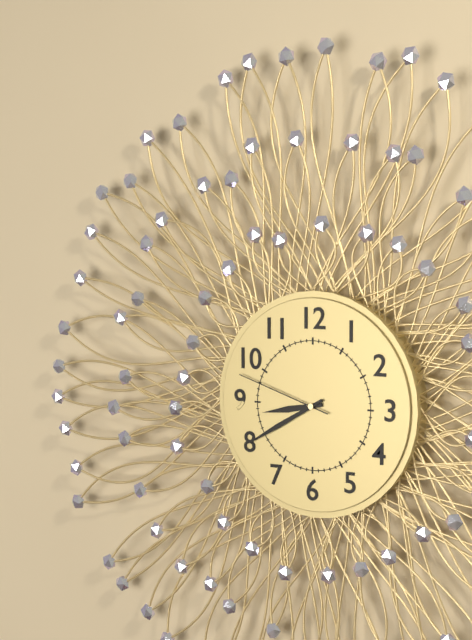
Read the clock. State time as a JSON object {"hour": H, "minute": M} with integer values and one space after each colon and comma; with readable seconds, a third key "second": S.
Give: {"hour": 8, "minute": 40, "second": 48}
